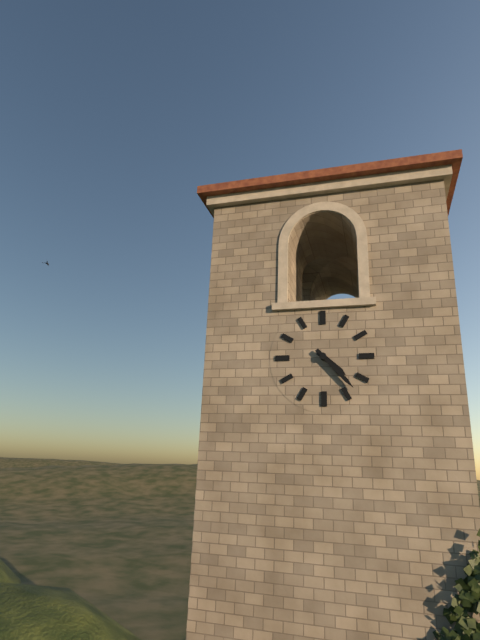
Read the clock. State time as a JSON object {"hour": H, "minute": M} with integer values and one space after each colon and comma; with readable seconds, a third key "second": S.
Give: {"hour": 4, "minute": 23}
